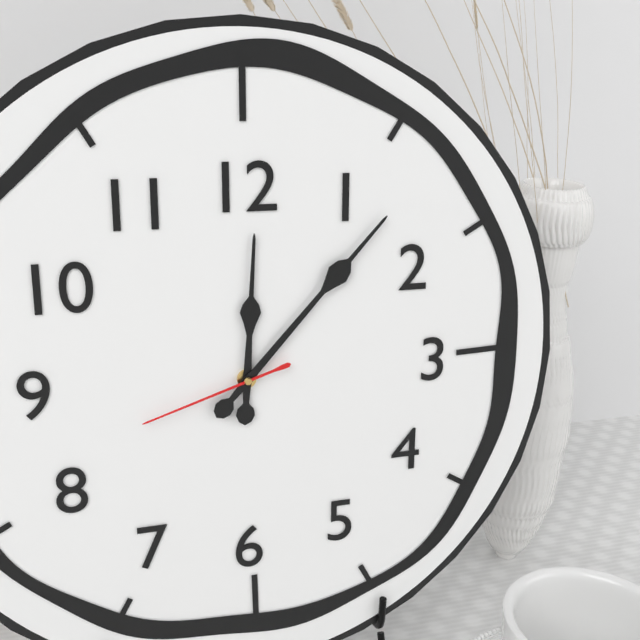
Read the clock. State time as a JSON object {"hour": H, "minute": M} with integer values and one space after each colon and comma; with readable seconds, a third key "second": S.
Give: {"hour": 12, "minute": 7, "second": 42}
